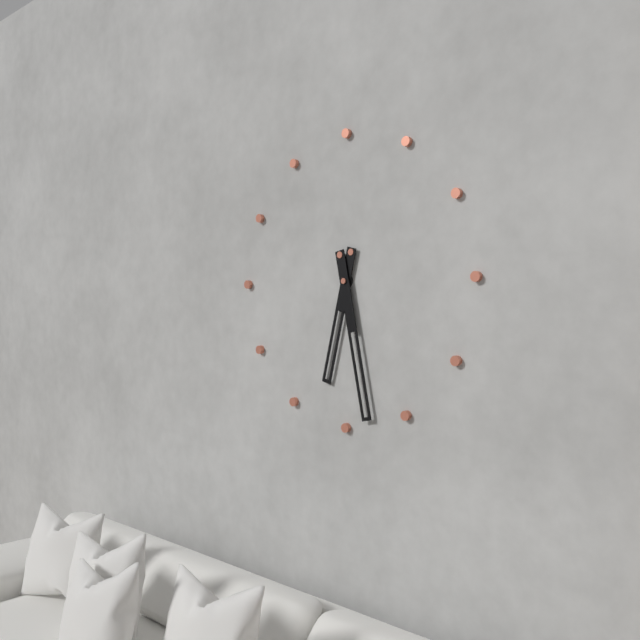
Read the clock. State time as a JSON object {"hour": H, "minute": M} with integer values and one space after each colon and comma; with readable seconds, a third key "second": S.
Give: {"hour": 6, "minute": 28}
